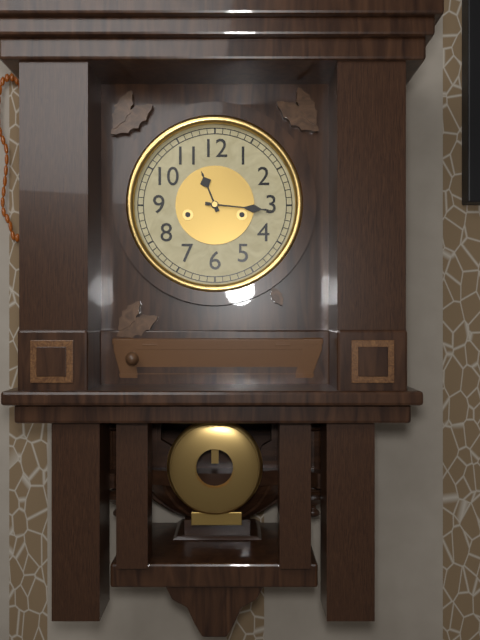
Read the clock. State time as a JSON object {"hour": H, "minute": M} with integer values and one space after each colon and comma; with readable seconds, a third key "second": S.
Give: {"hour": 11, "minute": 16}
